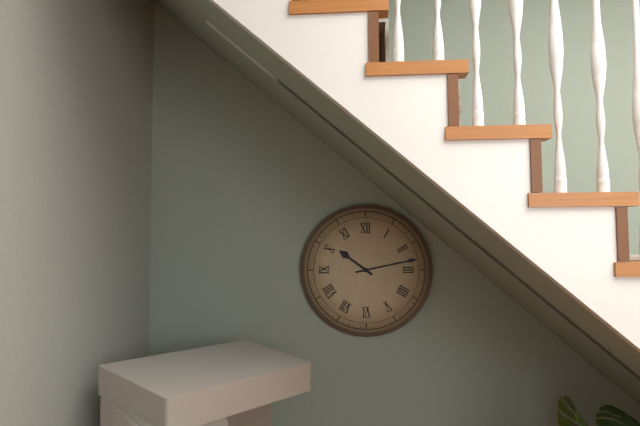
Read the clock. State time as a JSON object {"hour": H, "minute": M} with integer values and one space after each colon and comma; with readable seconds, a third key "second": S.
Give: {"hour": 10, "minute": 13}
